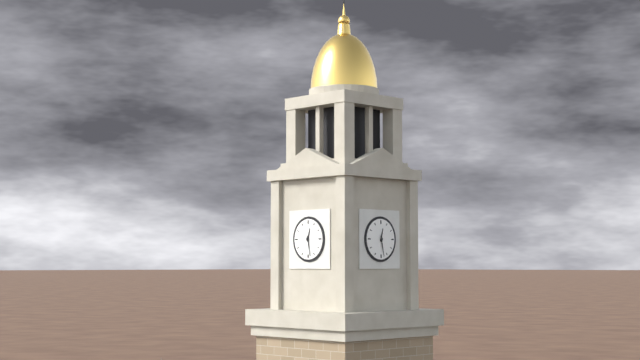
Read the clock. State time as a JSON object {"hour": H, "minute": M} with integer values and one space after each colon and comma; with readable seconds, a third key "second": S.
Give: {"hour": 12, "minute": 28}
